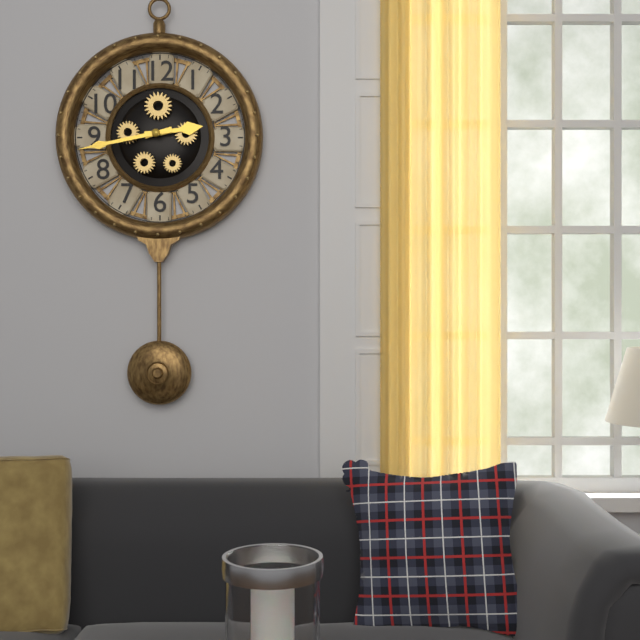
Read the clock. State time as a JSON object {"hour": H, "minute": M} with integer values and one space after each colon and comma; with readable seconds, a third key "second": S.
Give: {"hour": 2, "minute": 43}
